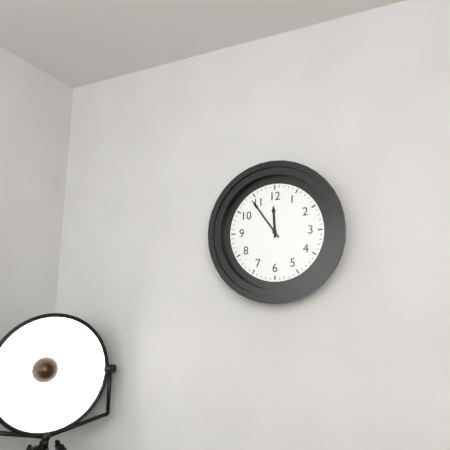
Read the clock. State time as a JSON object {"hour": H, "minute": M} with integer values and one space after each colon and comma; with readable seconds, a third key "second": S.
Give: {"hour": 11, "minute": 54}
